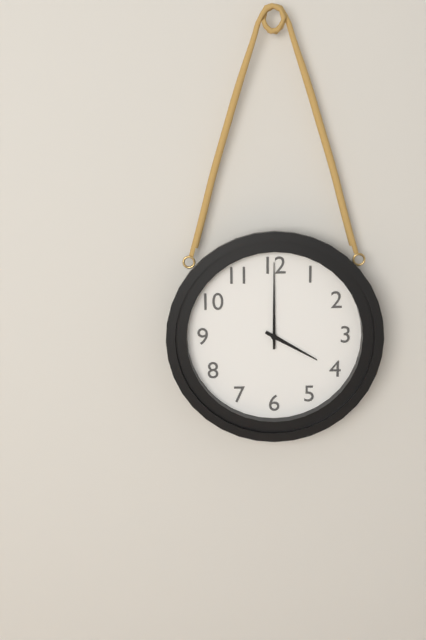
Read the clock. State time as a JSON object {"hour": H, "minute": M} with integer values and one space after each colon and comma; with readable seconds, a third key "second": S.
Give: {"hour": 4, "minute": 0}
